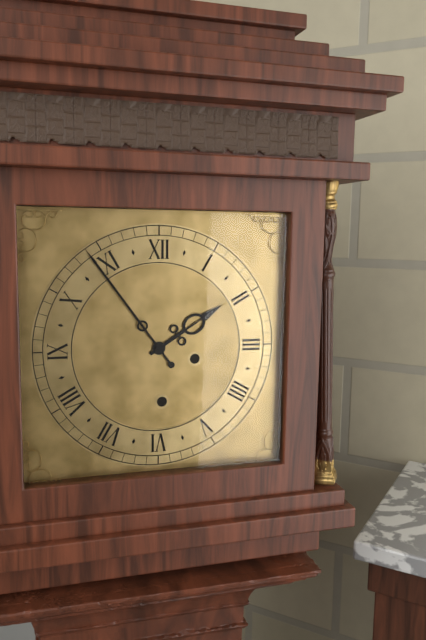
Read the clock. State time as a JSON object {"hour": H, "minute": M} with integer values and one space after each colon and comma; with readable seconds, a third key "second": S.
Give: {"hour": 1, "minute": 54}
